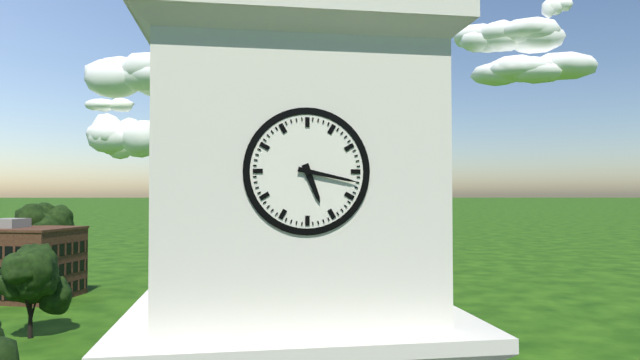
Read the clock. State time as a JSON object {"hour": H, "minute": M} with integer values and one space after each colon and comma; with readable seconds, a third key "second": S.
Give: {"hour": 5, "minute": 17}
